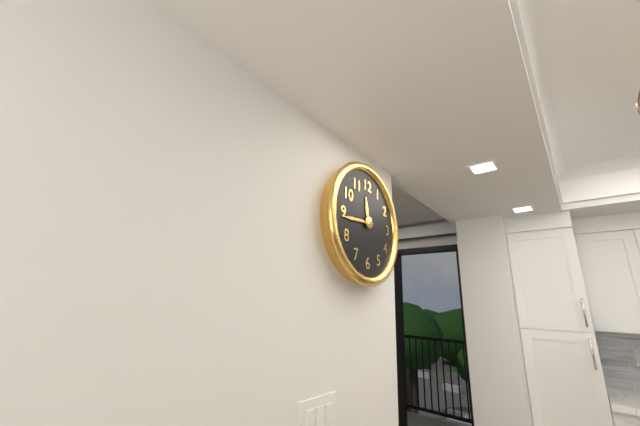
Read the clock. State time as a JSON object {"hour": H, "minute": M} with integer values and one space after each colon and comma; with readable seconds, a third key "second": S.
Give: {"hour": 11, "minute": 44}
